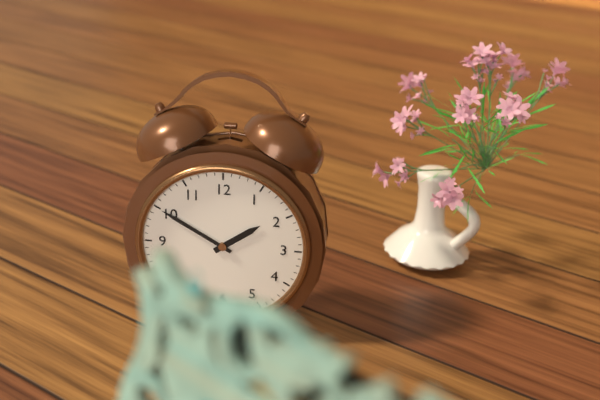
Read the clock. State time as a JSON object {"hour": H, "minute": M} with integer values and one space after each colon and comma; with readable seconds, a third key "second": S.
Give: {"hour": 1, "minute": 50}
